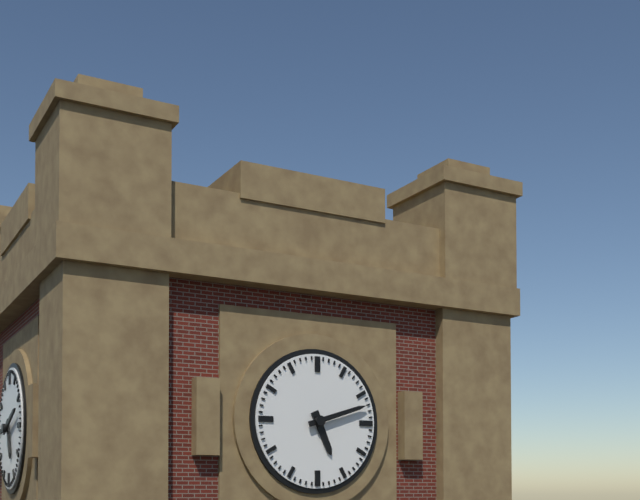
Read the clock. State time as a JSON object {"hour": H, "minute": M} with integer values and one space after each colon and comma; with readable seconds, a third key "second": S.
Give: {"hour": 5, "minute": 12}
